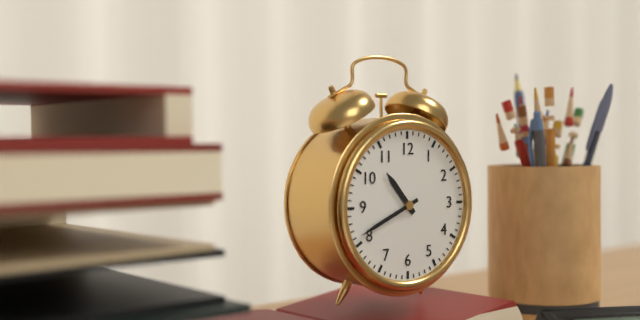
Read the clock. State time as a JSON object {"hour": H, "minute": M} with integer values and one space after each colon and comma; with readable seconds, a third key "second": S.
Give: {"hour": 10, "minute": 41}
